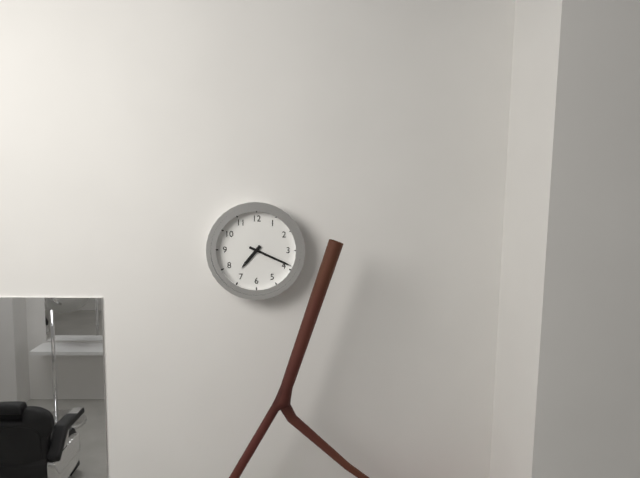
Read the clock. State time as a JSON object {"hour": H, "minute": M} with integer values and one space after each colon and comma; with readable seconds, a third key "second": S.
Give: {"hour": 7, "minute": 19}
